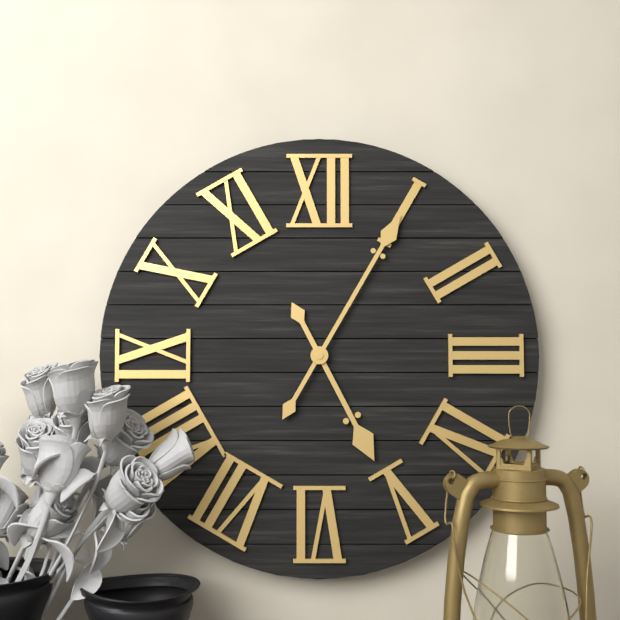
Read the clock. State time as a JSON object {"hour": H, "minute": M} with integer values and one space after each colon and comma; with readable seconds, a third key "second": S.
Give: {"hour": 5, "minute": 5}
